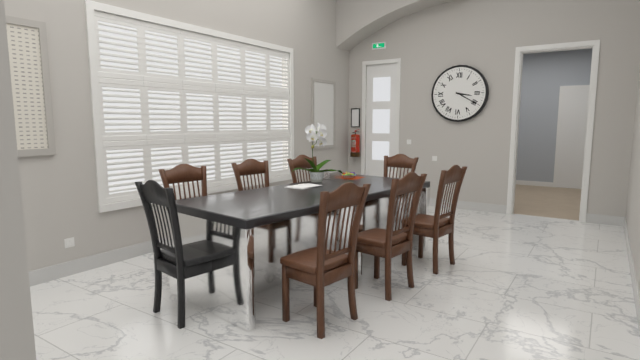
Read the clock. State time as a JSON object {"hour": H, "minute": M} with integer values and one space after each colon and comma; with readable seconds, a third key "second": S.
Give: {"hour": 3, "minute": 20}
